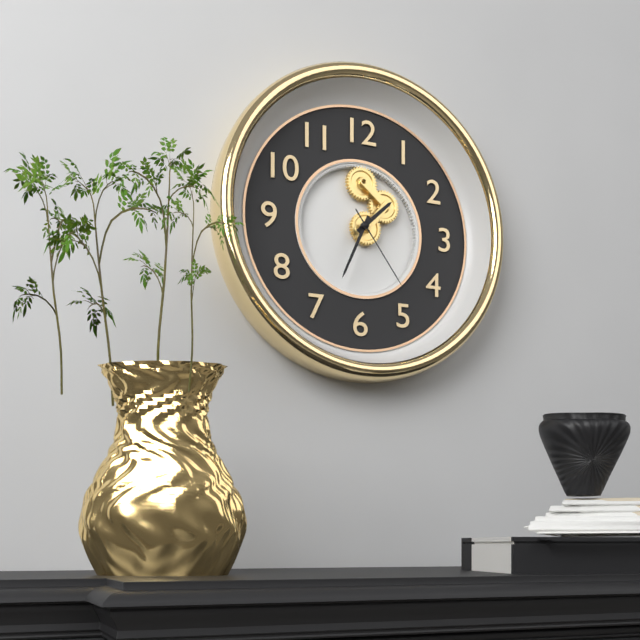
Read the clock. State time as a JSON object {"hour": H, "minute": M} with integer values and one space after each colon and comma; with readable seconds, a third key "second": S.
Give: {"hour": 1, "minute": 34, "second": 24}
